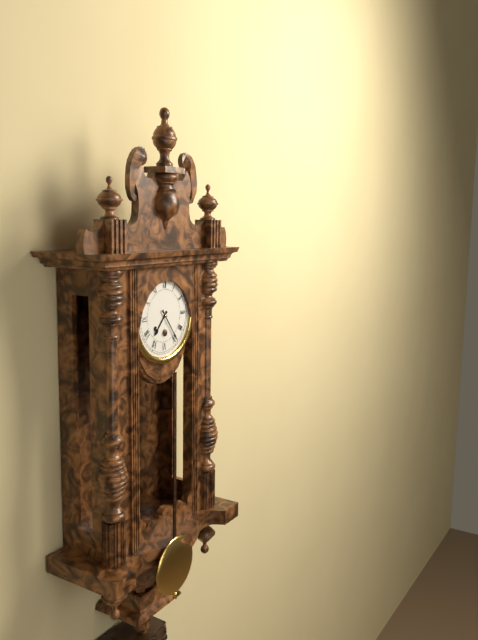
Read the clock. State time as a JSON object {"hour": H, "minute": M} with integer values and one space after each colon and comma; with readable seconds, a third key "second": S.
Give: {"hour": 7, "minute": 24}
